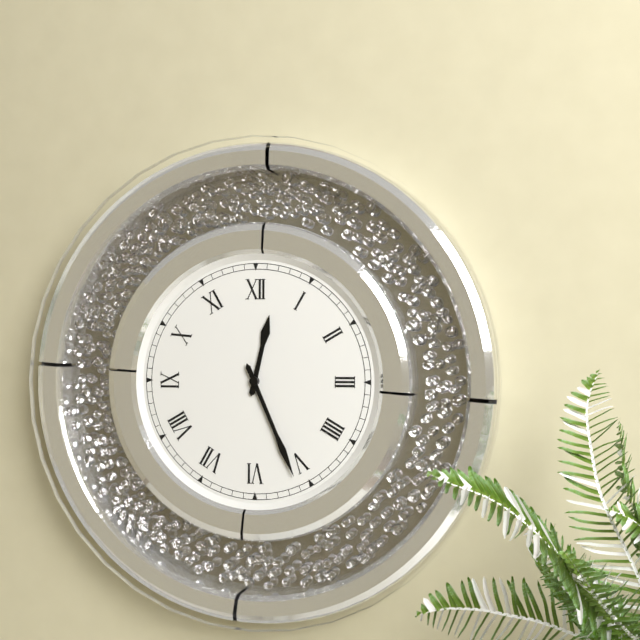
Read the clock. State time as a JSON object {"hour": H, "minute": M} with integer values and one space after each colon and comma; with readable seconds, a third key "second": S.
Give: {"hour": 12, "minute": 26}
